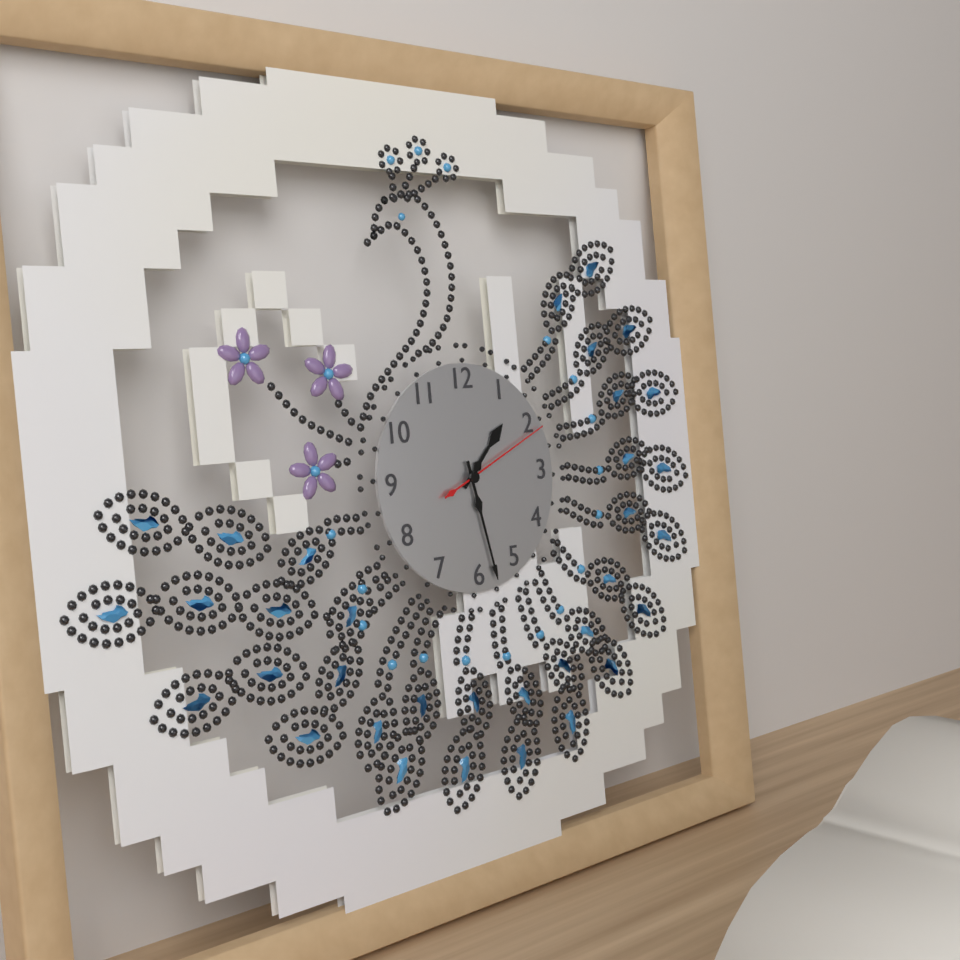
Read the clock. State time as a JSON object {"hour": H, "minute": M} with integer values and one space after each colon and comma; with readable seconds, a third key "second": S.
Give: {"hour": 1, "minute": 28, "second": 11}
